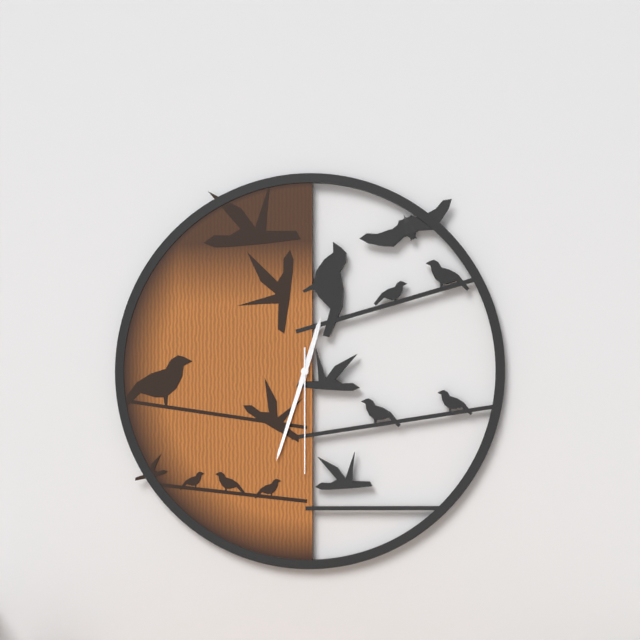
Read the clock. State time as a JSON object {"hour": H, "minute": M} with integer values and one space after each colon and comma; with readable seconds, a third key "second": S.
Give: {"hour": 12, "minute": 33, "second": 30}
